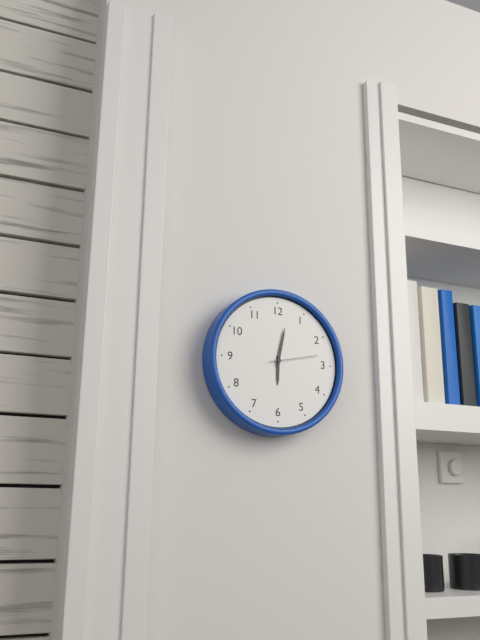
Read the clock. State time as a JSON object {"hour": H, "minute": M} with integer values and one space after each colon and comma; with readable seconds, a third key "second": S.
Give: {"hour": 6, "minute": 2}
